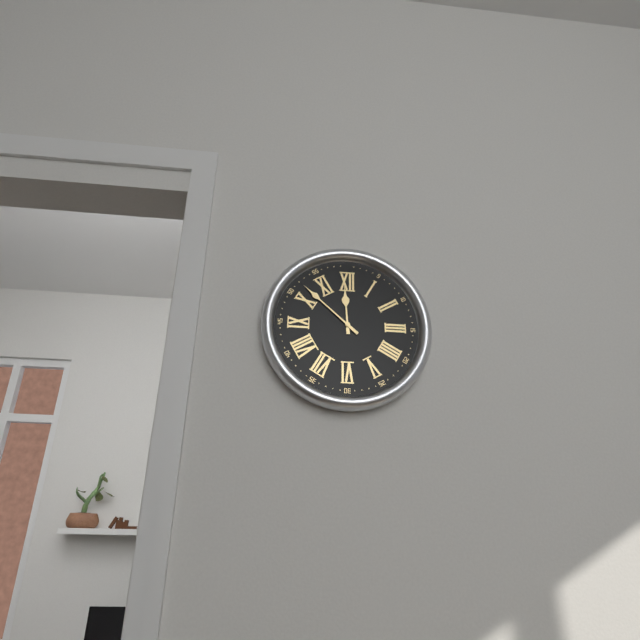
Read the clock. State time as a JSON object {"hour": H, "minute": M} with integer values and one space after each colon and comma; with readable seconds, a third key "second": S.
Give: {"hour": 11, "minute": 52}
